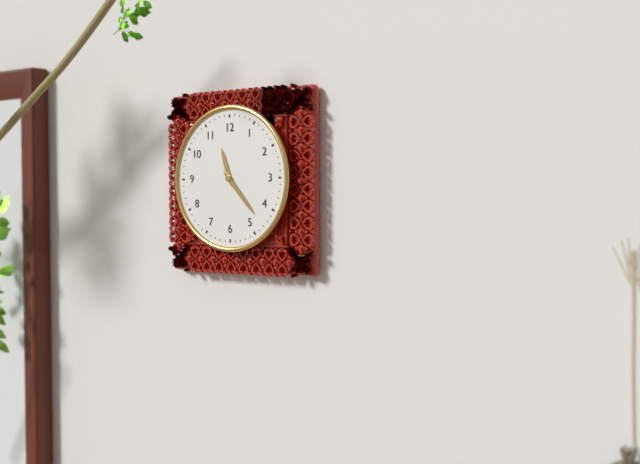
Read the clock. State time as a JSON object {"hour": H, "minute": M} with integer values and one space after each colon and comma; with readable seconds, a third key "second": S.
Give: {"hour": 11, "minute": 23}
